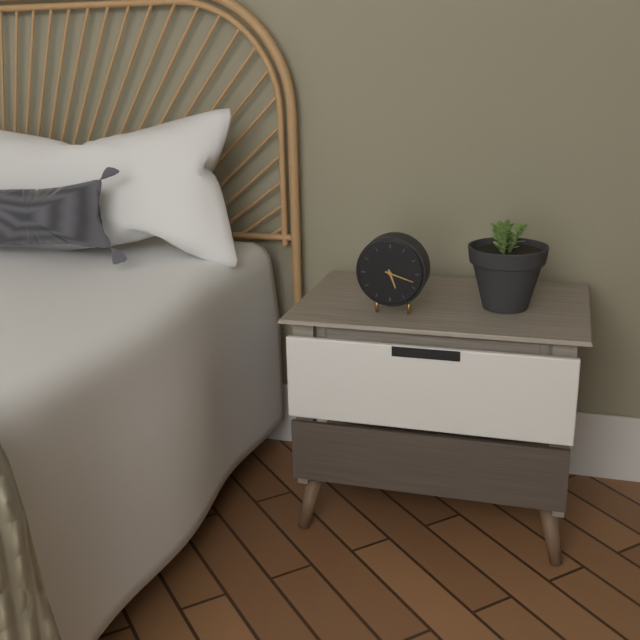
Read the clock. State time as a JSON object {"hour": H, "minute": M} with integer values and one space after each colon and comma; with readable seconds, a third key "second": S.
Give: {"hour": 5, "minute": 18}
